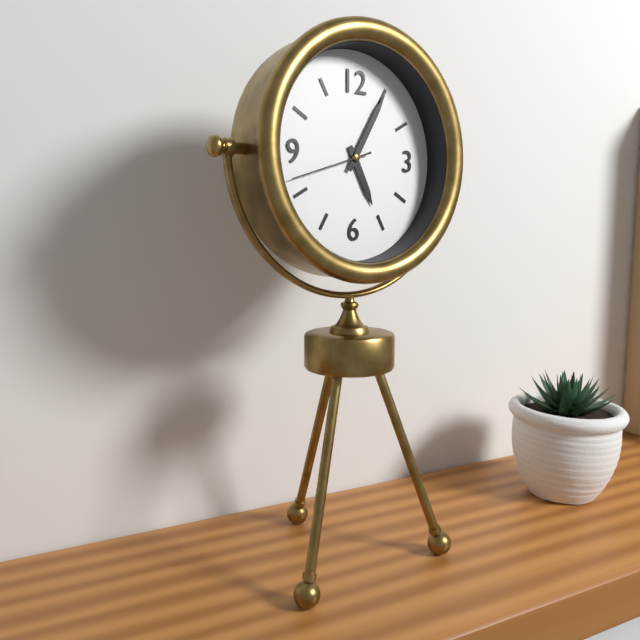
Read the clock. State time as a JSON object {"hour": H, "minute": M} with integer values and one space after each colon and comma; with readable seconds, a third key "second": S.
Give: {"hour": 5, "minute": 5, "second": 42}
